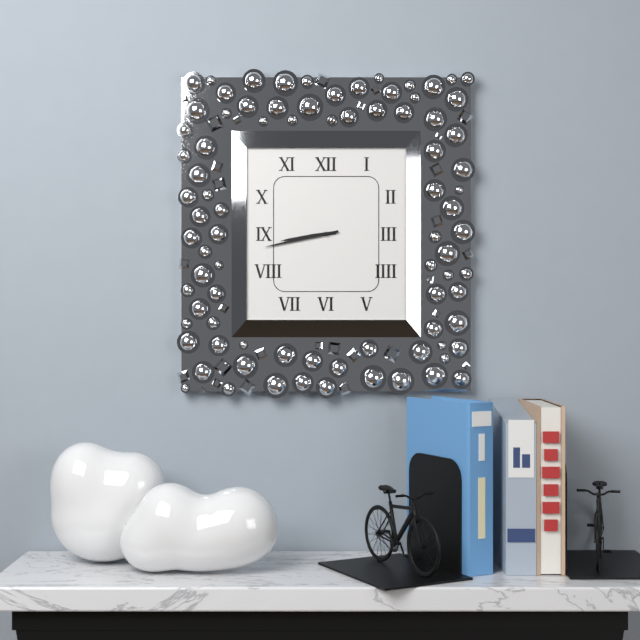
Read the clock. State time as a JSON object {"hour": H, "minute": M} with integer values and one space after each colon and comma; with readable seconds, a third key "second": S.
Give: {"hour": 8, "minute": 43}
